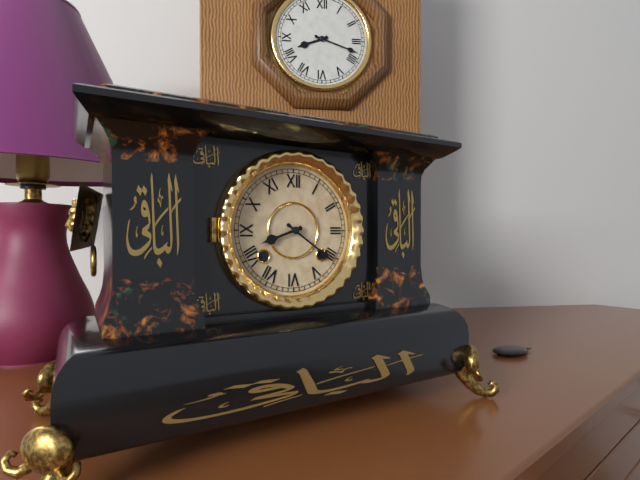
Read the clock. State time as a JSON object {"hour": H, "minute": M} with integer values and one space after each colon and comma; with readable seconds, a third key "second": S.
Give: {"hour": 8, "minute": 21}
